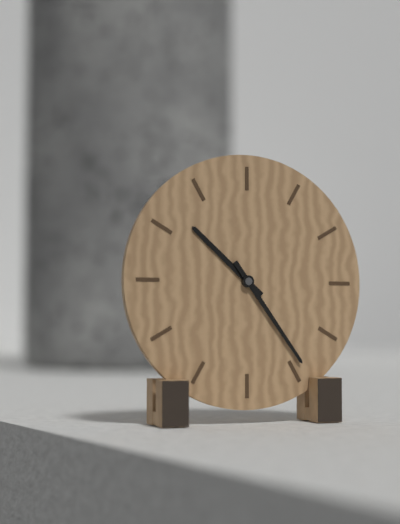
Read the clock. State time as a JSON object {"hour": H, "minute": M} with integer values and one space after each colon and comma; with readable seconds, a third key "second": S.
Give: {"hour": 10, "minute": 24}
